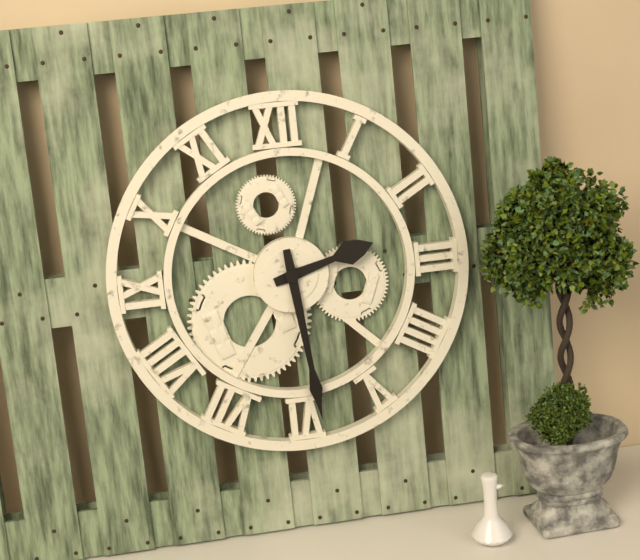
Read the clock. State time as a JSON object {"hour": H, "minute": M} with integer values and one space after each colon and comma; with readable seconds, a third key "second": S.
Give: {"hour": 2, "minute": 29}
